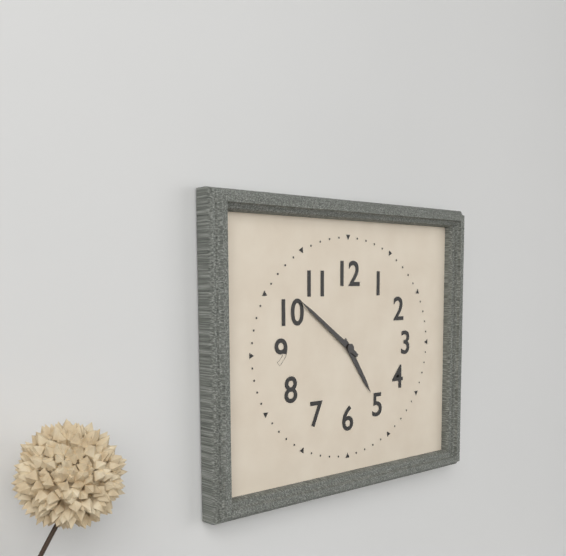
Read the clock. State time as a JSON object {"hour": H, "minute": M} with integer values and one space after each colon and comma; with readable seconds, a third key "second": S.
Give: {"hour": 4, "minute": 51}
